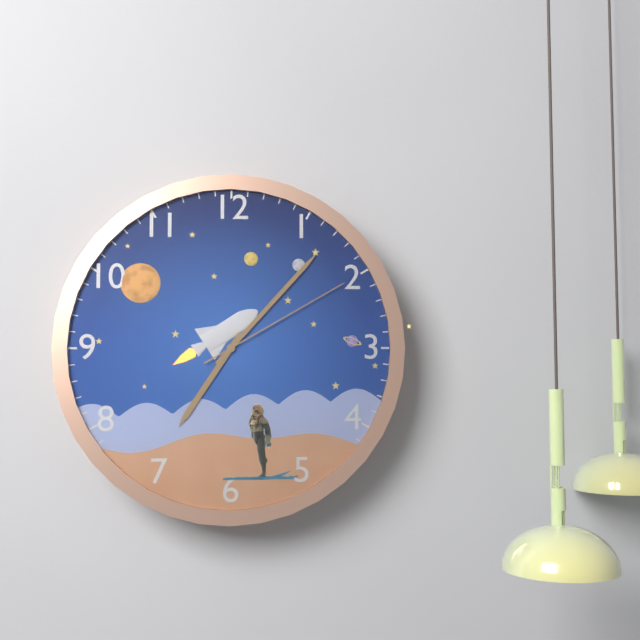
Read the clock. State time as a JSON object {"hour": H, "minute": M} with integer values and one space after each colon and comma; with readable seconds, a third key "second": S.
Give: {"hour": 7, "minute": 7, "second": 10}
